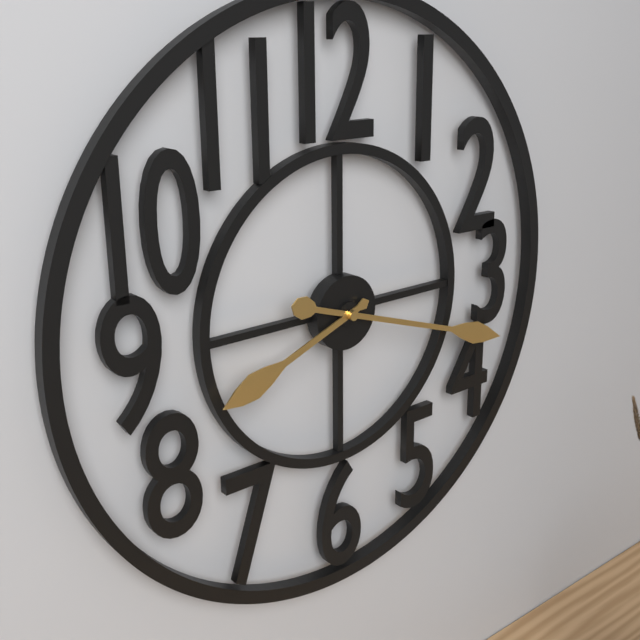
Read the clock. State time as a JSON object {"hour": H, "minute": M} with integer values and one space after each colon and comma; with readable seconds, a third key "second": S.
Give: {"hour": 8, "minute": 18}
